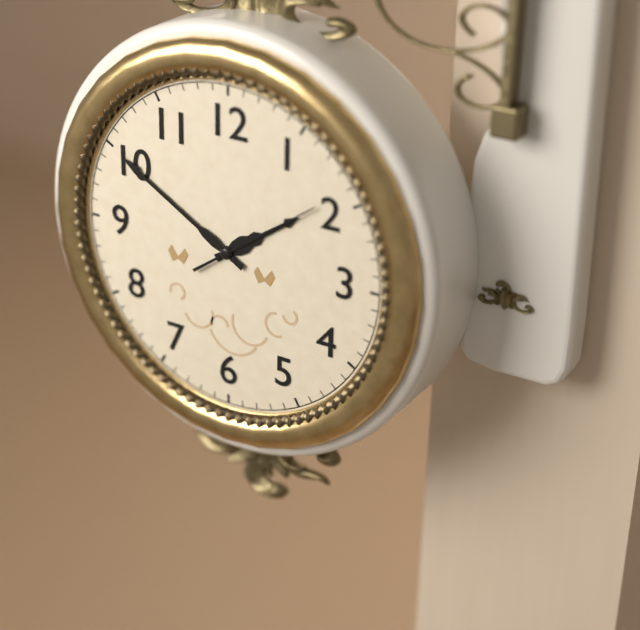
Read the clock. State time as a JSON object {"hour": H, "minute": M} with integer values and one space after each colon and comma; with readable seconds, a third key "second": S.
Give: {"hour": 1, "minute": 50, "second": 9}
